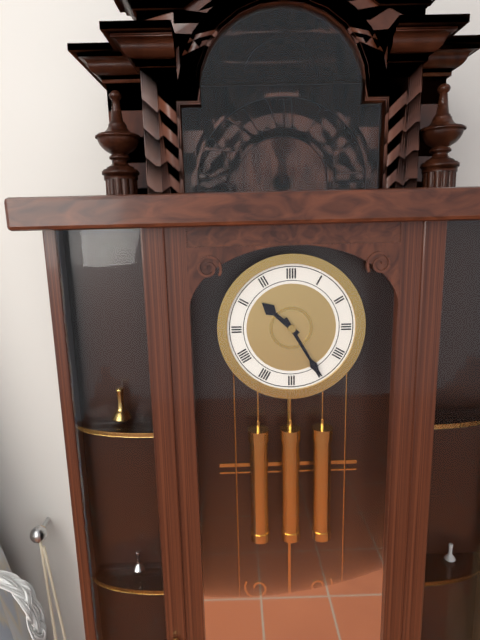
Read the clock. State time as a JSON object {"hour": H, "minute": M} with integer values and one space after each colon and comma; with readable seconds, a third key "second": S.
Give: {"hour": 10, "minute": 25}
